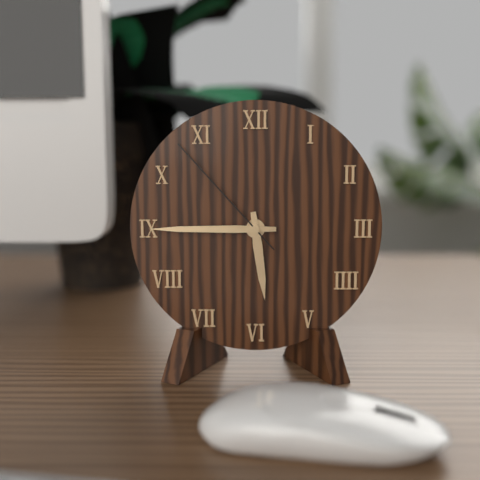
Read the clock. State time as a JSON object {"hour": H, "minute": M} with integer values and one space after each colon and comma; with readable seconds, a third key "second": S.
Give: {"hour": 5, "minute": 45, "second": 53}
